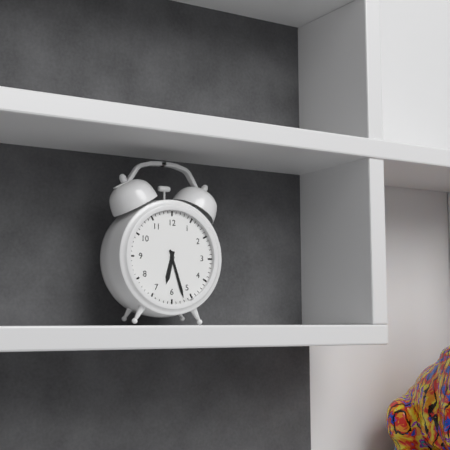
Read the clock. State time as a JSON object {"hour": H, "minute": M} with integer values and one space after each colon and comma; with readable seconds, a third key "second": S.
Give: {"hour": 6, "minute": 27}
